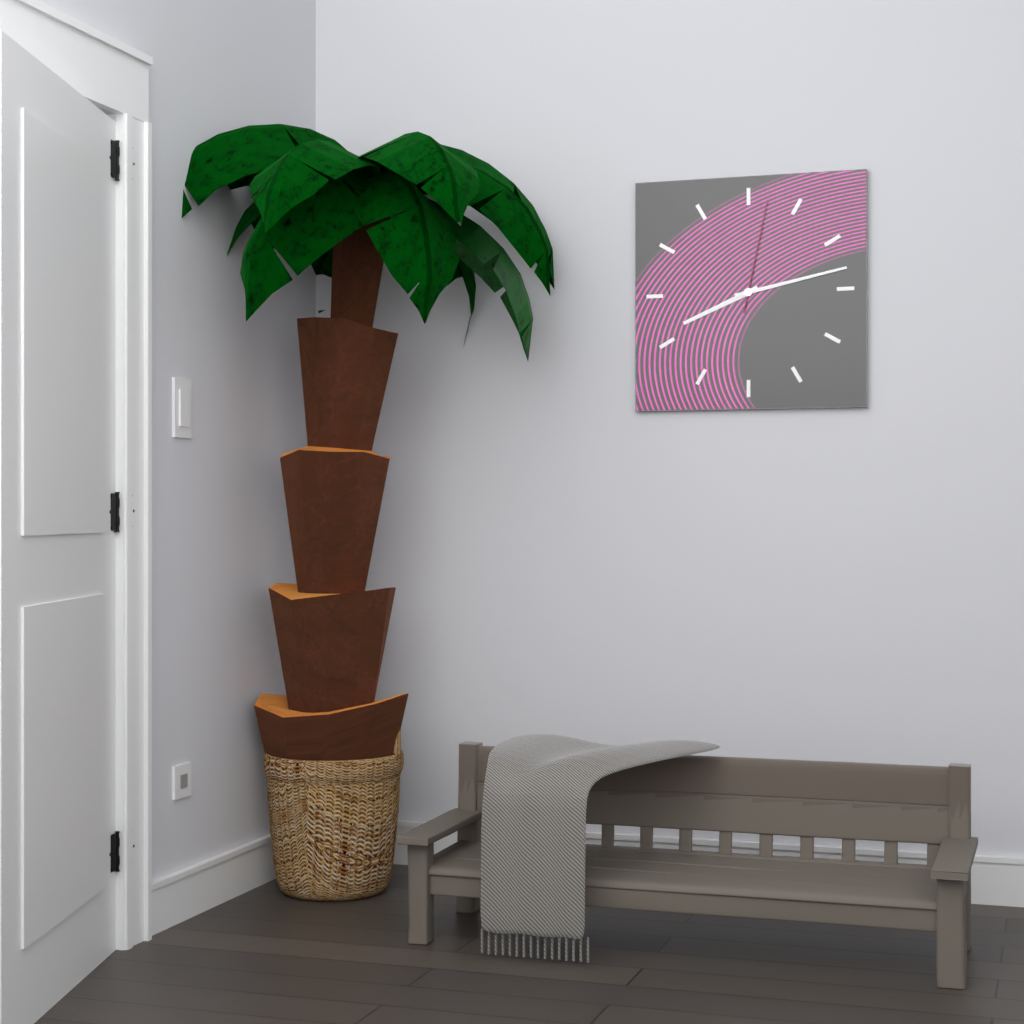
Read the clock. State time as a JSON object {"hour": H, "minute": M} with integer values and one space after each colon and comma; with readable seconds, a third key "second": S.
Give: {"hour": 8, "minute": 13, "second": 2}
